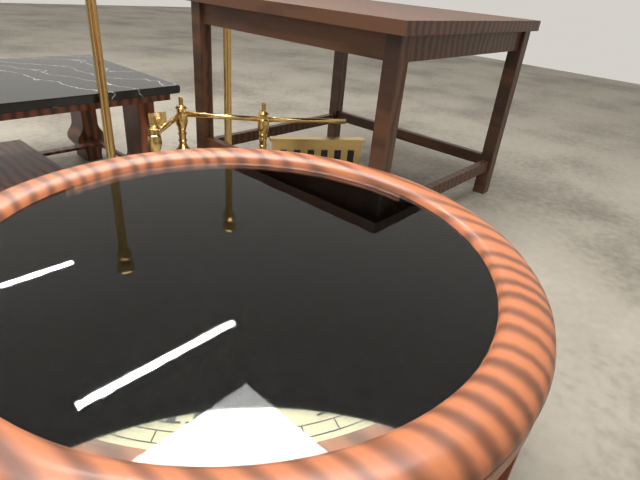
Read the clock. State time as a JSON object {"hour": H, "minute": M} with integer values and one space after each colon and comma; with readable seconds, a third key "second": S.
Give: {"hour": 2, "minute": 45}
